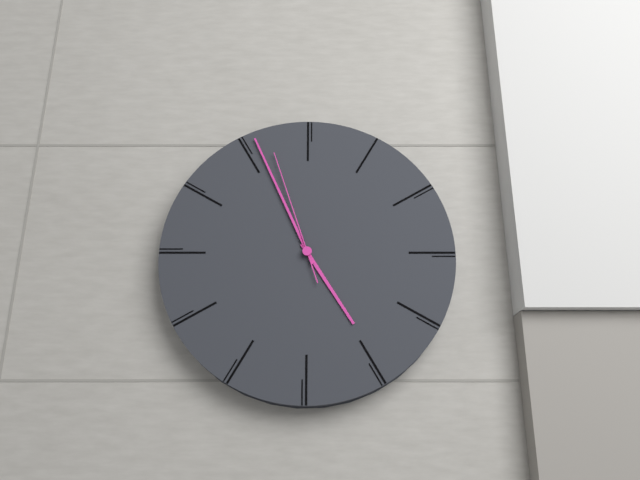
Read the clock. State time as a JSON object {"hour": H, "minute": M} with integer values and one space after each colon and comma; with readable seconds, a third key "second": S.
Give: {"hour": 4, "minute": 56, "second": 57}
